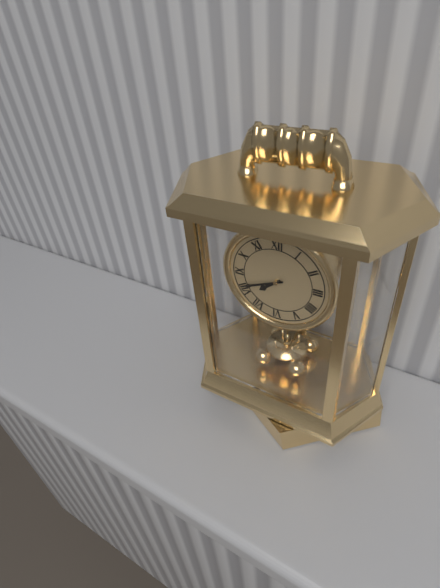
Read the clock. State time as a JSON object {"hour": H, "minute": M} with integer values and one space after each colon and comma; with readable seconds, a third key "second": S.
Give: {"hour": 7, "minute": 41}
